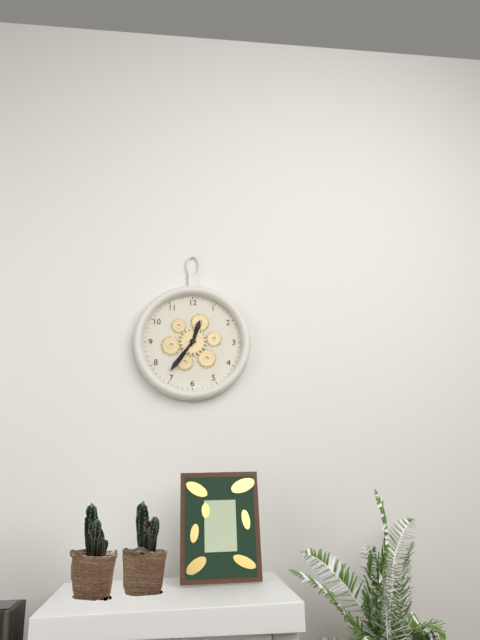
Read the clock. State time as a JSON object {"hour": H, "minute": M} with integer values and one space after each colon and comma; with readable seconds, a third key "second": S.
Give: {"hour": 12, "minute": 36}
